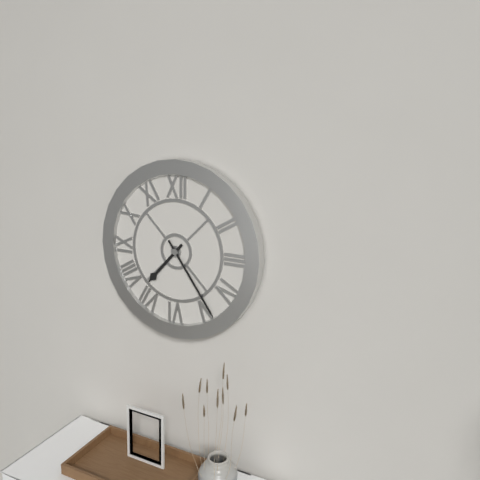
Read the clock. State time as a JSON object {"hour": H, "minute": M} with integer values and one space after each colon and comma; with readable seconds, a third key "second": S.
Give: {"hour": 7, "minute": 24}
